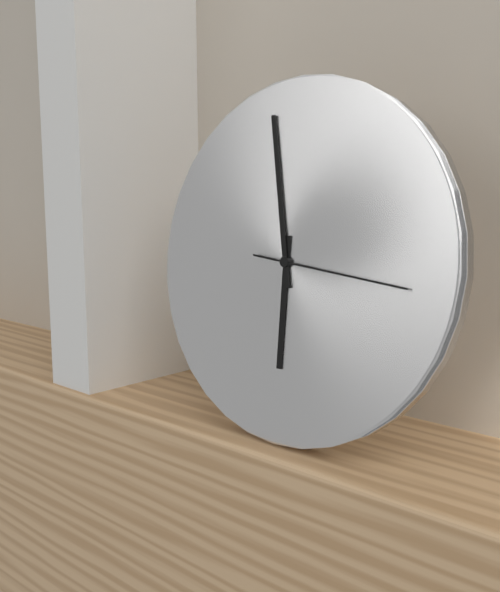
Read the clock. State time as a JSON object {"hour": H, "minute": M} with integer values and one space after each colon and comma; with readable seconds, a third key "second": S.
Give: {"hour": 5, "minute": 58, "second": 16}
